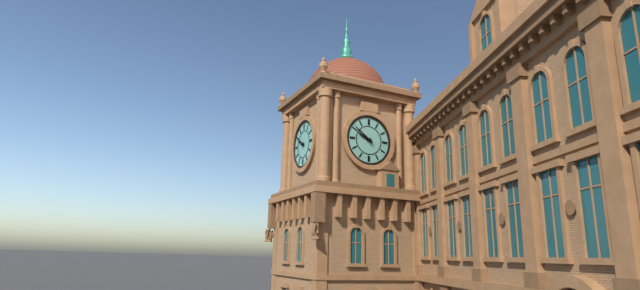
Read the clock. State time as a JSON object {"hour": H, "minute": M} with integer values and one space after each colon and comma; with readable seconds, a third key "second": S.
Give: {"hour": 9, "minute": 51}
